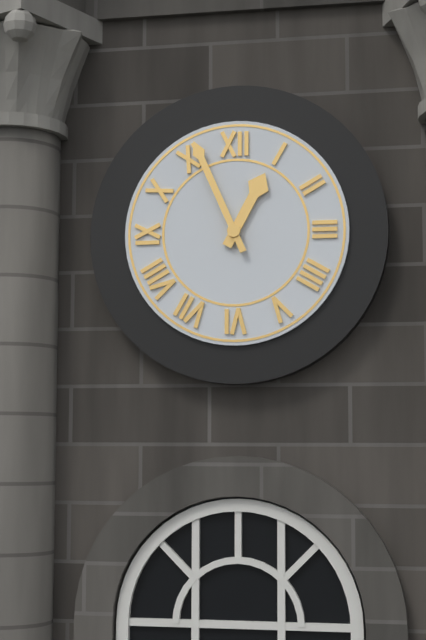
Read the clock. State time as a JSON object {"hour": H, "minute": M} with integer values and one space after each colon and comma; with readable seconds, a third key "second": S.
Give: {"hour": 12, "minute": 56}
